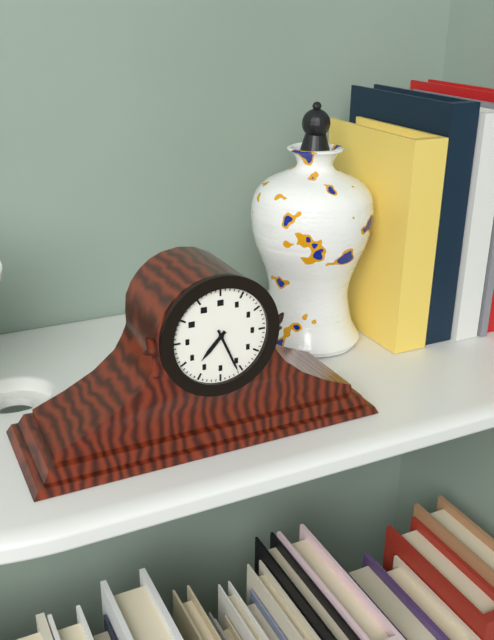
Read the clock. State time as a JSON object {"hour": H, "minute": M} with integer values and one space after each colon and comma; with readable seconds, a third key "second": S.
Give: {"hour": 7, "minute": 26}
